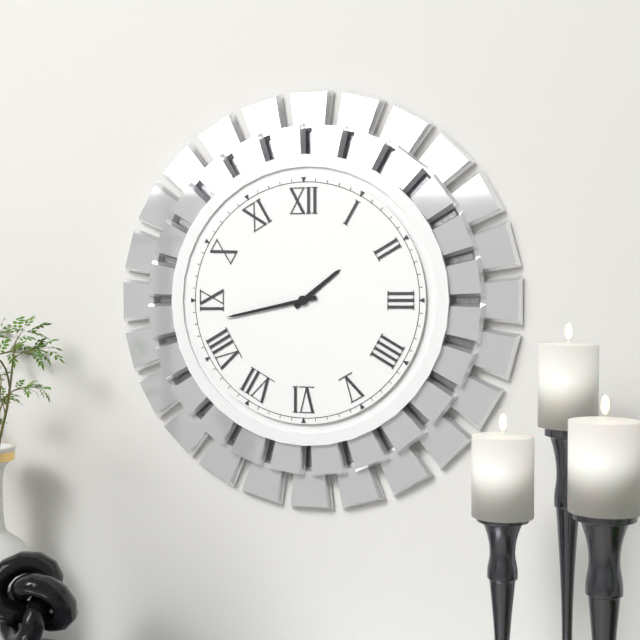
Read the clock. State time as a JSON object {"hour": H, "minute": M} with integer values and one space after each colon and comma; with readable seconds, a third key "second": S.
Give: {"hour": 1, "minute": 43}
